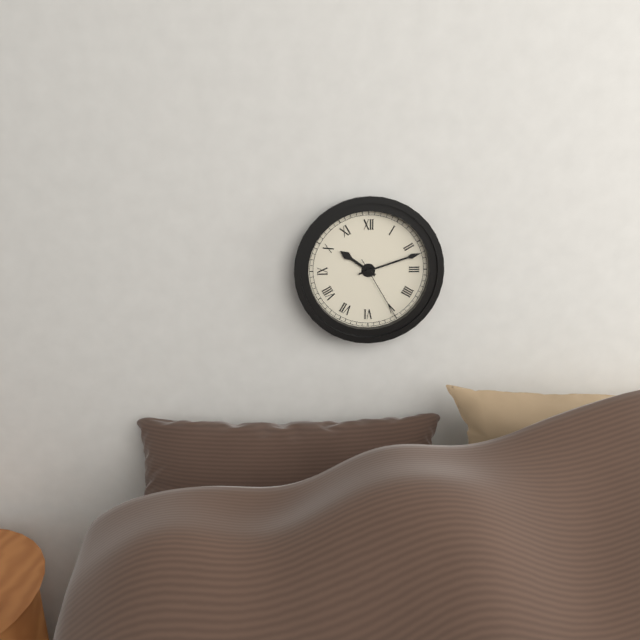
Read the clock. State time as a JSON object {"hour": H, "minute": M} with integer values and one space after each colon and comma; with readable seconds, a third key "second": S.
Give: {"hour": 10, "minute": 12, "second": 25}
